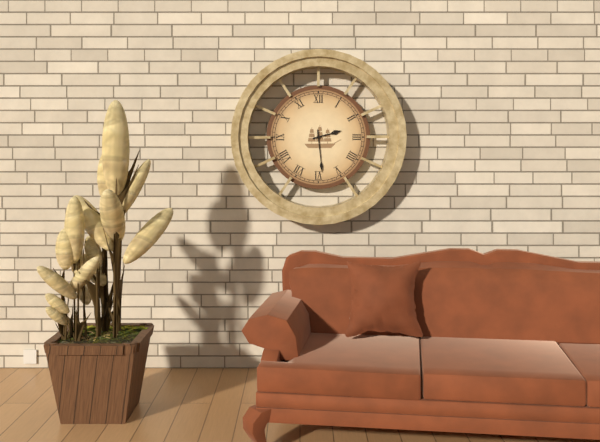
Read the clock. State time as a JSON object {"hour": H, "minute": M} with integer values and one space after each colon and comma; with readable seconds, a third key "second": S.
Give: {"hour": 2, "minute": 29}
